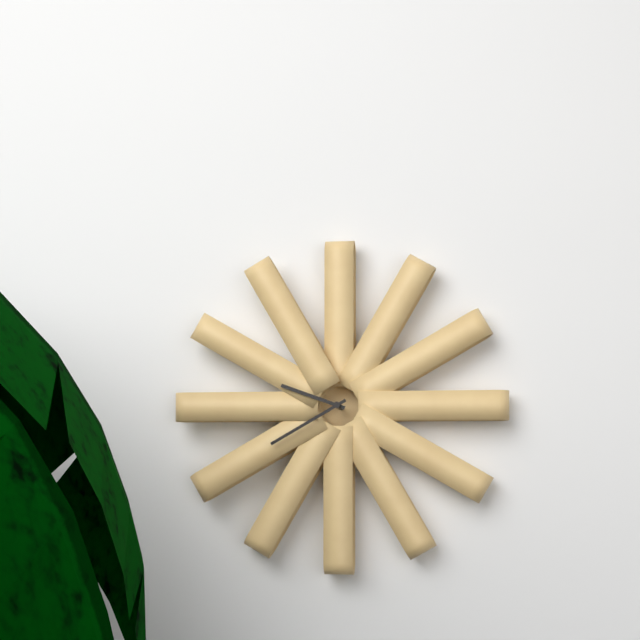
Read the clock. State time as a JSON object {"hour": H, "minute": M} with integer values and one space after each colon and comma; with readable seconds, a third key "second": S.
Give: {"hour": 9, "minute": 40}
